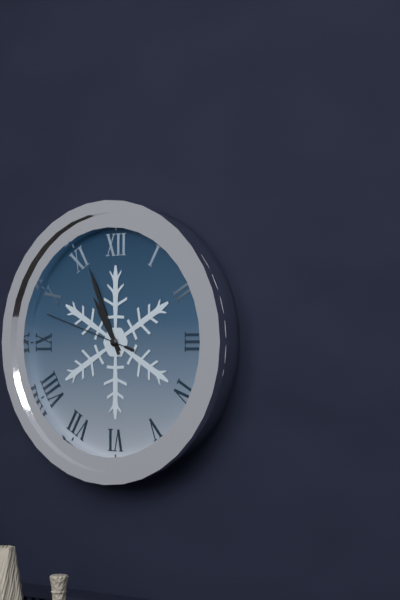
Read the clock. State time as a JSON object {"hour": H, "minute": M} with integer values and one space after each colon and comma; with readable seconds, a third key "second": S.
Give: {"hour": 10, "minute": 56, "second": 48}
